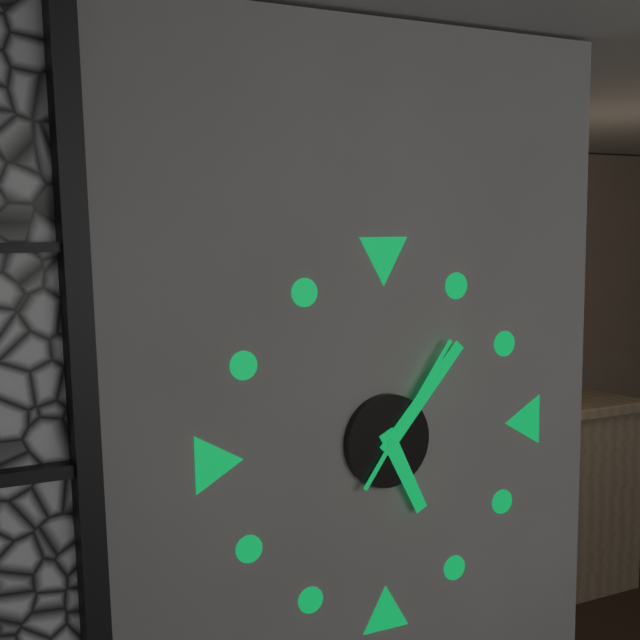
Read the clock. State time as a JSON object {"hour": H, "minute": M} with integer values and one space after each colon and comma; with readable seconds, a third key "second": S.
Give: {"hour": 5, "minute": 7, "second": 6}
